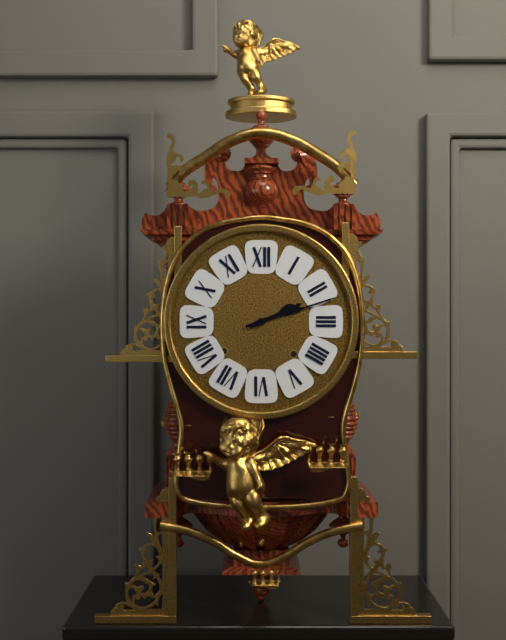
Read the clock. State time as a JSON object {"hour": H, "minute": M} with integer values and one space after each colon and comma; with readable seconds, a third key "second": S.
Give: {"hour": 2, "minute": 12}
